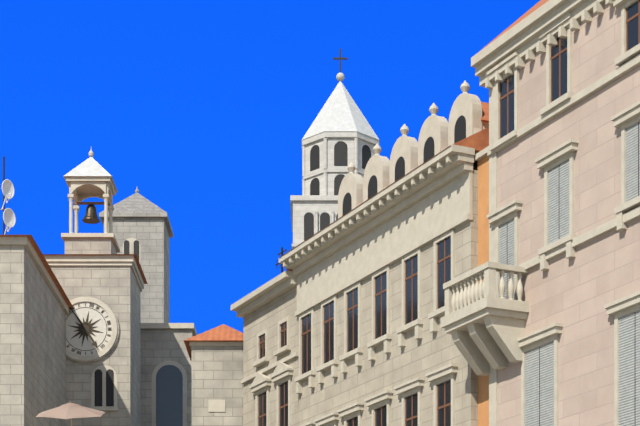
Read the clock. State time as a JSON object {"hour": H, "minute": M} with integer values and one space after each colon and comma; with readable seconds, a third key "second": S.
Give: {"hour": 4, "minute": 54}
